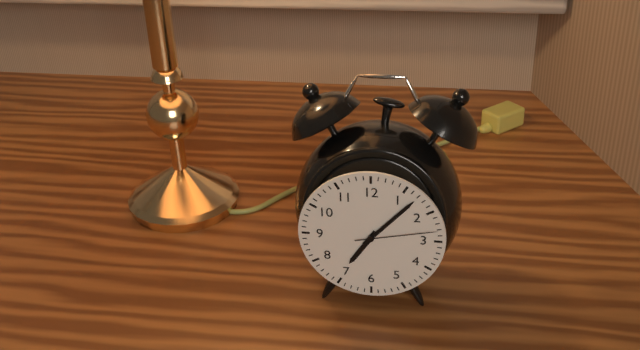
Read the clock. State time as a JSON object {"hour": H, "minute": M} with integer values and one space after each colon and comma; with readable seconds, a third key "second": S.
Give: {"hour": 7, "minute": 7, "second": 13}
